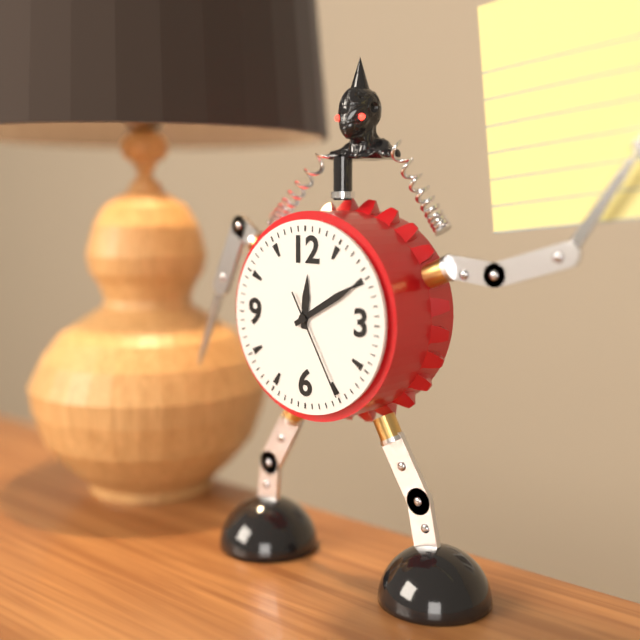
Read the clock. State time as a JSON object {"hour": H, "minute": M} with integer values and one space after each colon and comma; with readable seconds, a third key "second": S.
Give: {"hour": 12, "minute": 10, "second": 25}
